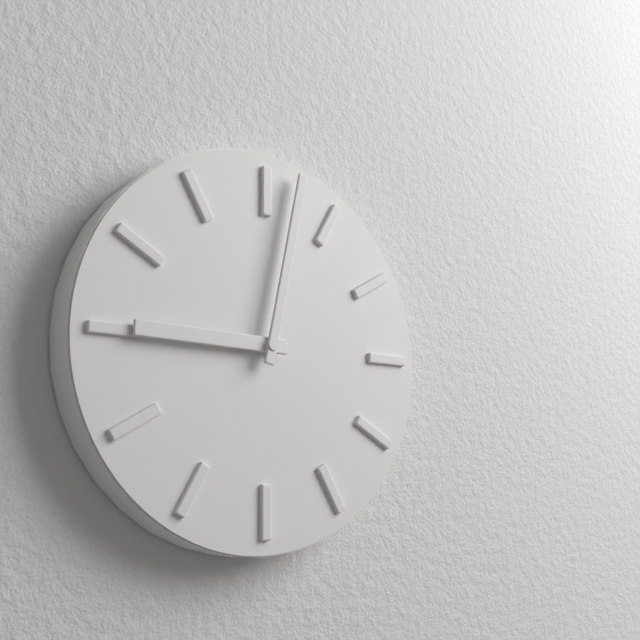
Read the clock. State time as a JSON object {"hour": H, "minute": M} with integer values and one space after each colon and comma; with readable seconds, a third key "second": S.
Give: {"hour": 9, "minute": 2}
